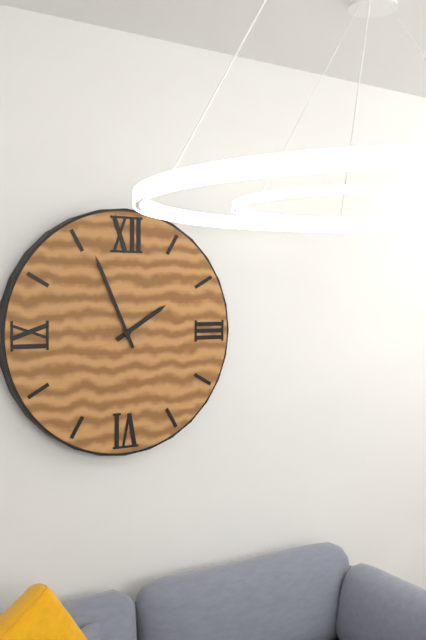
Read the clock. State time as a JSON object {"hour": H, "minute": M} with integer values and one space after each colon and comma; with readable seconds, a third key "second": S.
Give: {"hour": 1, "minute": 56}
